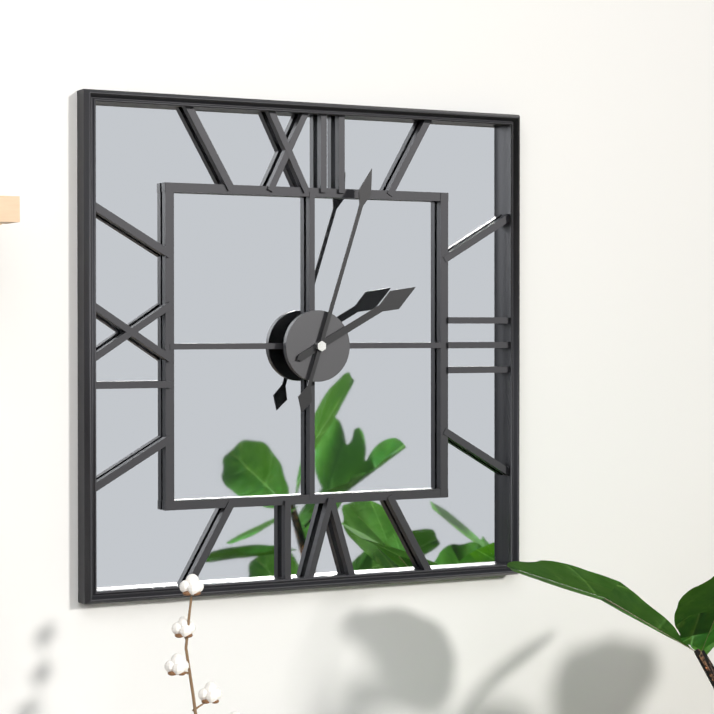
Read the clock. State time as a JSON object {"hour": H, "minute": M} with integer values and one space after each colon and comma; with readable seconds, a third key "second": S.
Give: {"hour": 2, "minute": 3}
